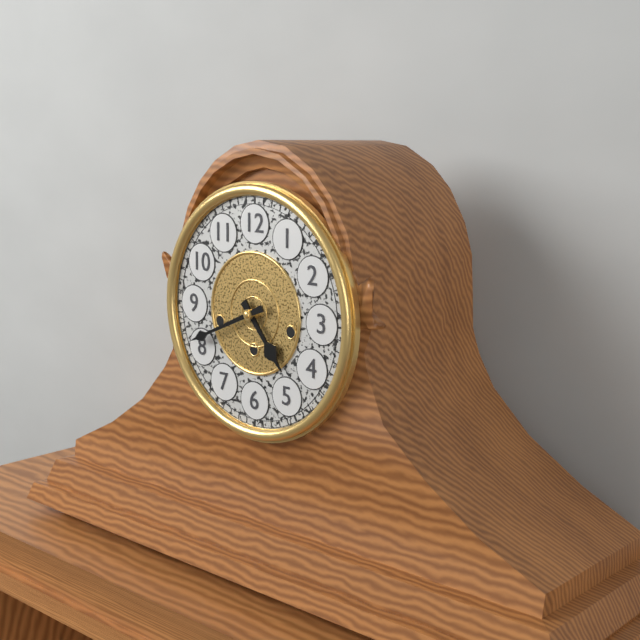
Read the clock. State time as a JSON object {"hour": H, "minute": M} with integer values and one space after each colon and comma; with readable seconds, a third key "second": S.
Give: {"hour": 4, "minute": 41}
